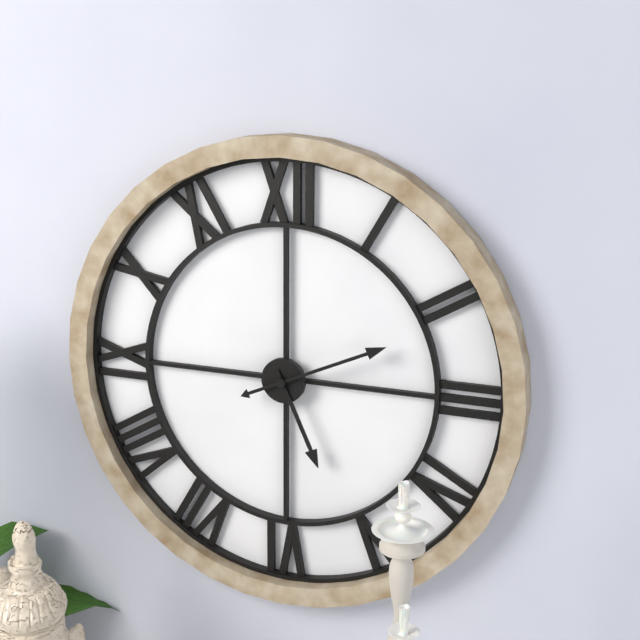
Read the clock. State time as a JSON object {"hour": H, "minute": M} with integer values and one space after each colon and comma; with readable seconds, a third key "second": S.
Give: {"hour": 5, "minute": 11}
